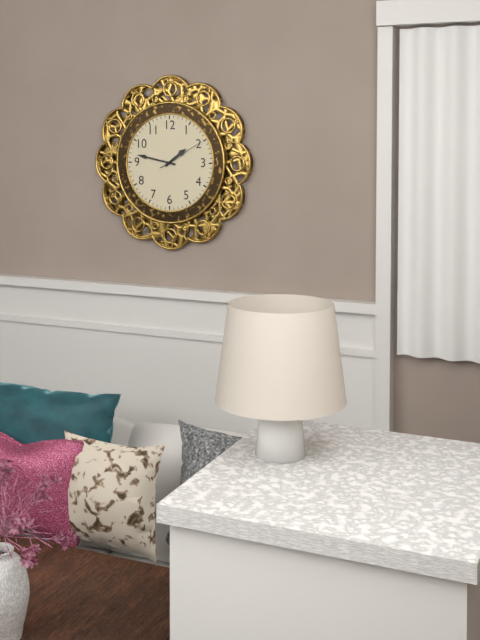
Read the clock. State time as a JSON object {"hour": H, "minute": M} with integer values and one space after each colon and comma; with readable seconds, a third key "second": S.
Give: {"hour": 1, "minute": 47}
